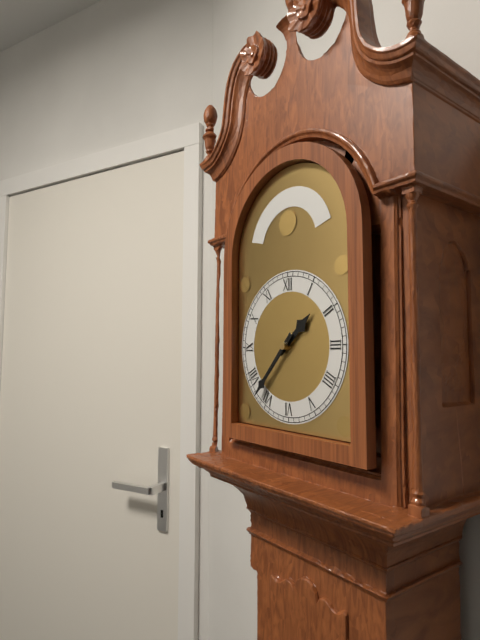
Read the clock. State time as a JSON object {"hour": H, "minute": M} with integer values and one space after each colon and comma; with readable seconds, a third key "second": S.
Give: {"hour": 1, "minute": 37}
